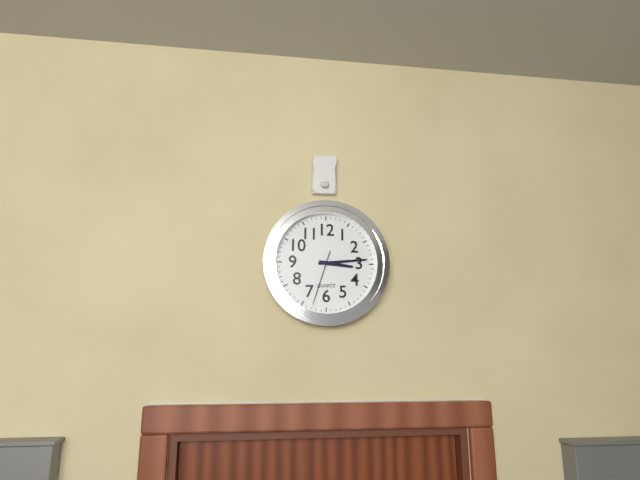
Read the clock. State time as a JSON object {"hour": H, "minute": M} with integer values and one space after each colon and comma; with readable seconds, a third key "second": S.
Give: {"hour": 3, "minute": 14, "second": 33}
